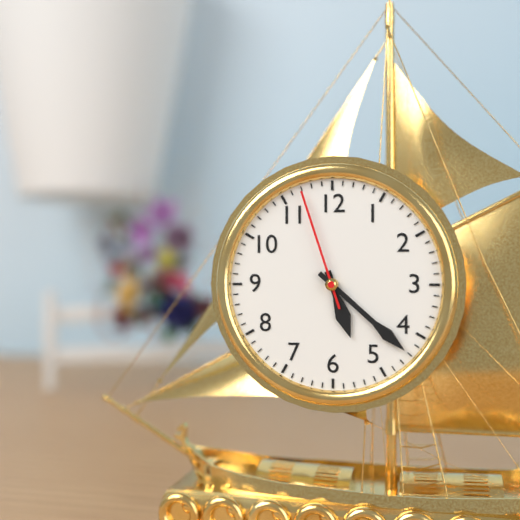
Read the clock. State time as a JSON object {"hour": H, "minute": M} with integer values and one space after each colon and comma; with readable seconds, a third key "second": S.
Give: {"hour": 5, "minute": 22, "second": 57}
